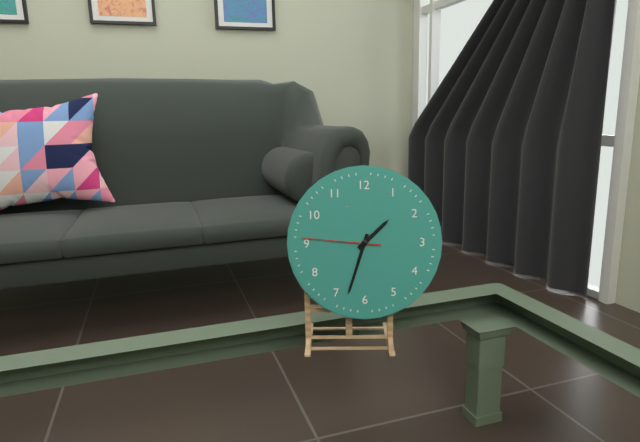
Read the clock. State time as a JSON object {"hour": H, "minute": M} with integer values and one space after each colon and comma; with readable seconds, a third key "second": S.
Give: {"hour": 1, "minute": 33, "second": 46}
